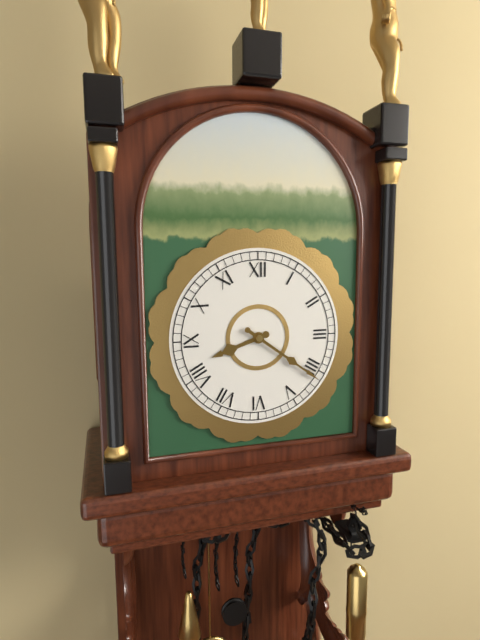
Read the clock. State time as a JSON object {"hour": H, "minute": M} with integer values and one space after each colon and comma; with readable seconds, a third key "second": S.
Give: {"hour": 8, "minute": 21}
